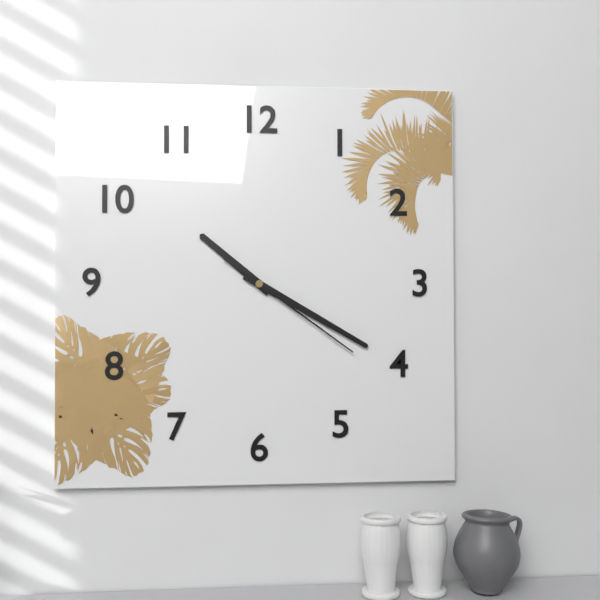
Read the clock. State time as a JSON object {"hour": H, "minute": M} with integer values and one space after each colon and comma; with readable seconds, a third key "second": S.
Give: {"hour": 10, "minute": 20, "second": 21}
